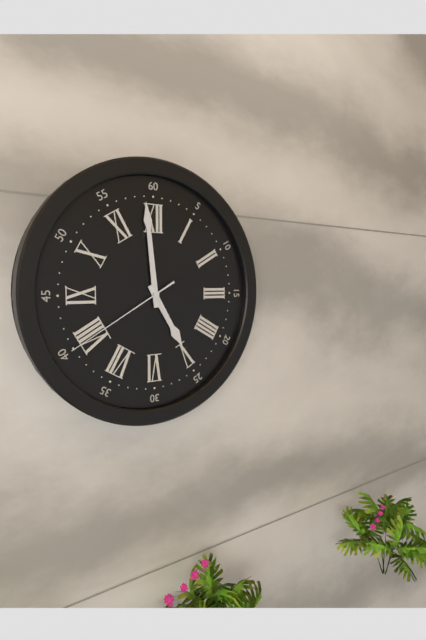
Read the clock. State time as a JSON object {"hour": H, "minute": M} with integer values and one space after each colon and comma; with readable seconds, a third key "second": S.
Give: {"hour": 4, "minute": 59, "second": 40}
